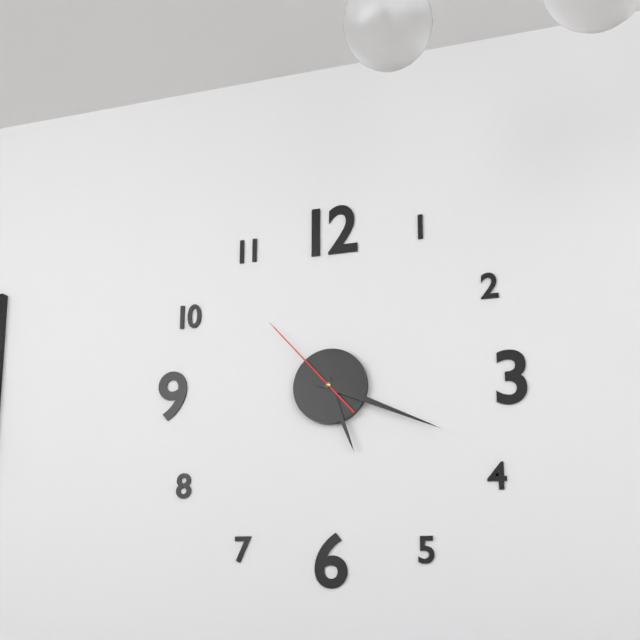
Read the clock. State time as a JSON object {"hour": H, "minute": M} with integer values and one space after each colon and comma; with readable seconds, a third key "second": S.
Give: {"hour": 5, "minute": 19, "second": 53}
